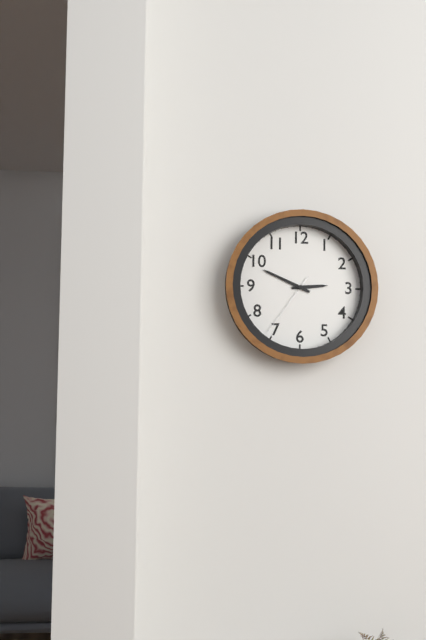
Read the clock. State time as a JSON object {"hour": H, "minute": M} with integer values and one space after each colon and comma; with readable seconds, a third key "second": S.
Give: {"hour": 2, "minute": 49, "second": 36}
